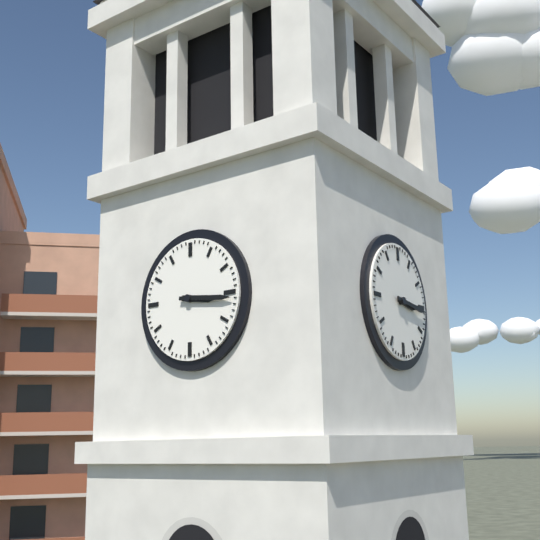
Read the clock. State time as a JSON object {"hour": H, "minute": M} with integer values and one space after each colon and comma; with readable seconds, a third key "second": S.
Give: {"hour": 3, "minute": 16}
